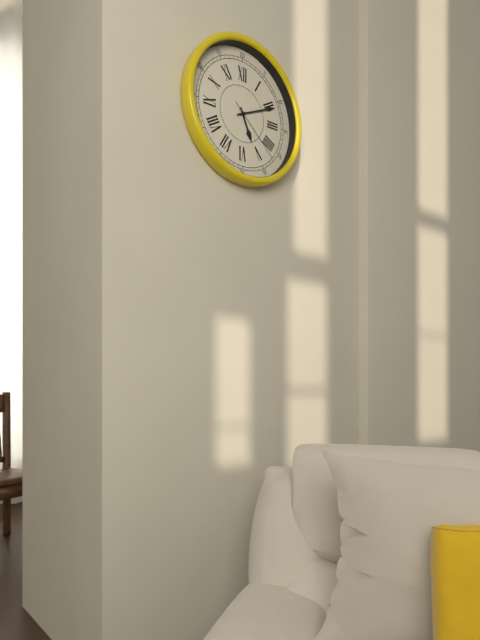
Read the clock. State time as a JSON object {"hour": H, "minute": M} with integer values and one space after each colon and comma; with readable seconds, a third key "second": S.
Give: {"hour": 5, "minute": 11, "second": 22}
